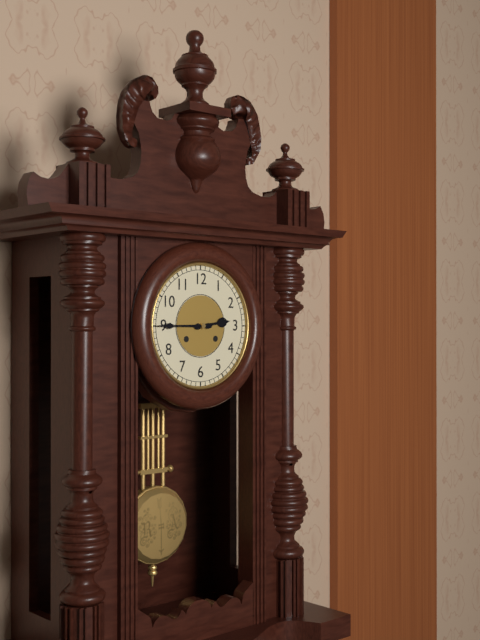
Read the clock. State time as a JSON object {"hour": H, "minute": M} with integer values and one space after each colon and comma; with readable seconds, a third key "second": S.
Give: {"hour": 2, "minute": 45}
